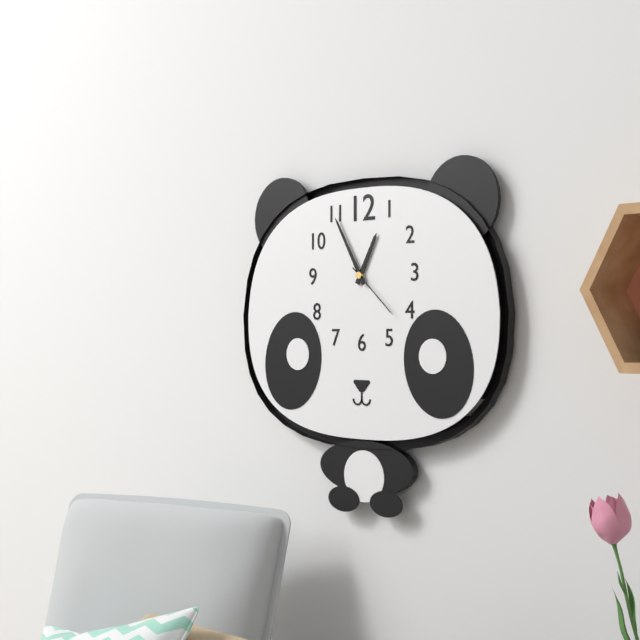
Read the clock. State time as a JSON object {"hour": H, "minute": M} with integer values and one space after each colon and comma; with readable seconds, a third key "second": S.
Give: {"hour": 12, "minute": 55, "second": 22}
